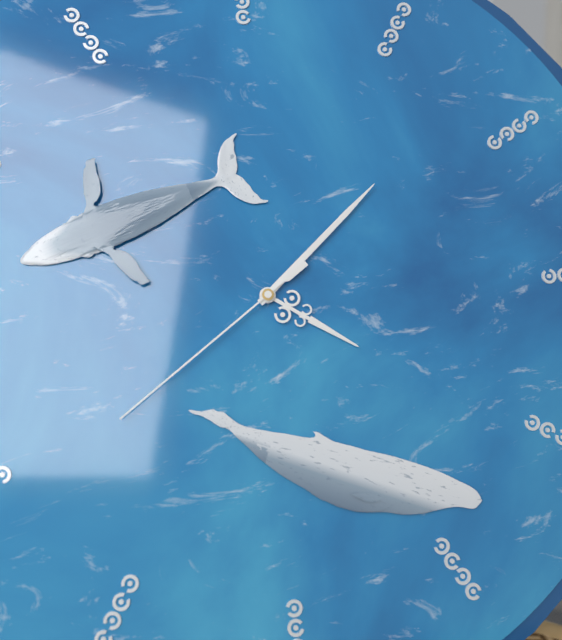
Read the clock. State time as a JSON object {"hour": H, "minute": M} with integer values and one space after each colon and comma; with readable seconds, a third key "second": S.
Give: {"hour": 4, "minute": 8, "second": 39}
